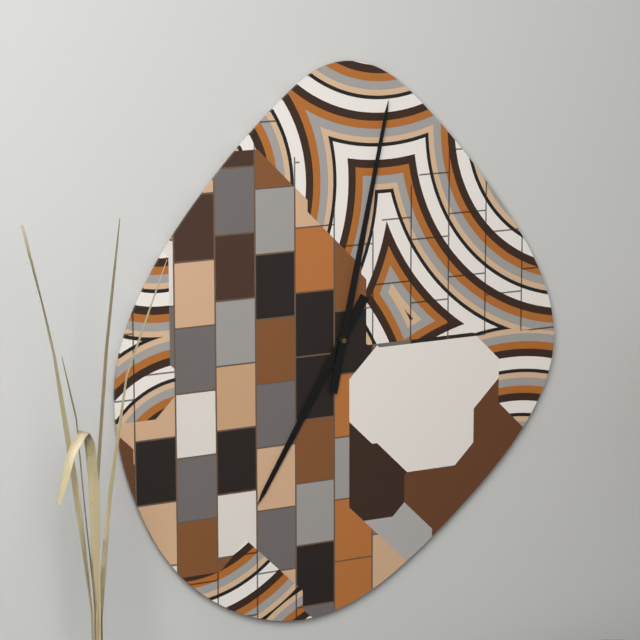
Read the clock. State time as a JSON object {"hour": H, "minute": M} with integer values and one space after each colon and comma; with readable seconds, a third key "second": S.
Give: {"hour": 7, "minute": 2}
